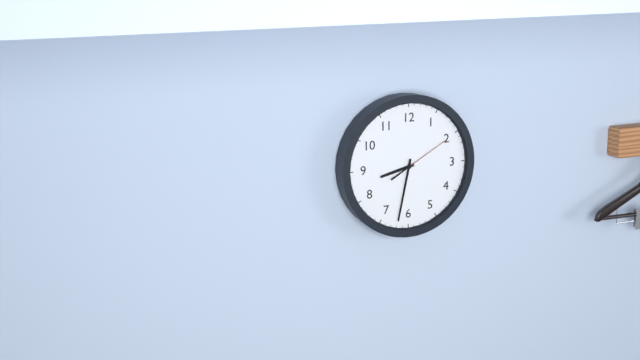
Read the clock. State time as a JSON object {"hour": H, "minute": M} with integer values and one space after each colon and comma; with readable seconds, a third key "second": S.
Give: {"hour": 8, "minute": 32, "second": 10}
